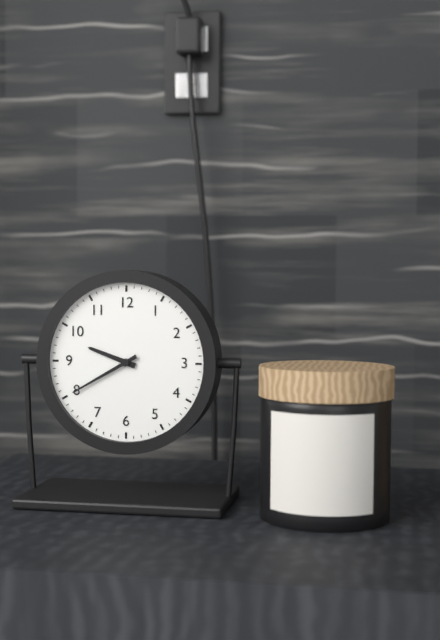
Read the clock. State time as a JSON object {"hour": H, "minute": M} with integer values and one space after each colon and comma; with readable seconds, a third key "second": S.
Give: {"hour": 9, "minute": 40}
